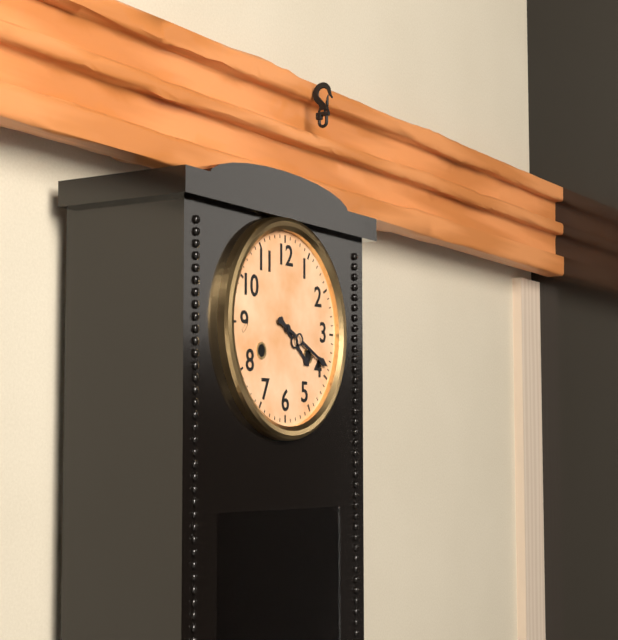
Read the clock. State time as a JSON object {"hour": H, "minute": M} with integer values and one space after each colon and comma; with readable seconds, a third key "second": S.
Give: {"hour": 4, "minute": 19}
